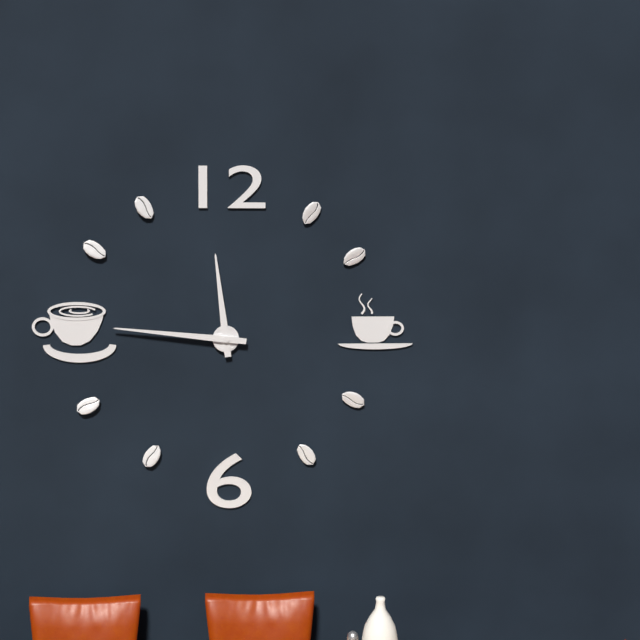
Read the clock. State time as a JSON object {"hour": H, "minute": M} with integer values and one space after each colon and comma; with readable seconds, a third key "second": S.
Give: {"hour": 11, "minute": 46}
